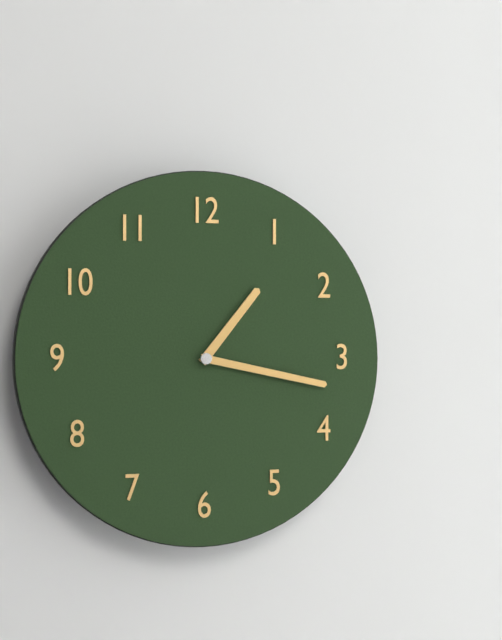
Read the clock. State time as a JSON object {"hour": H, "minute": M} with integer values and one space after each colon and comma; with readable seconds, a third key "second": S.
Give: {"hour": 1, "minute": 17}
